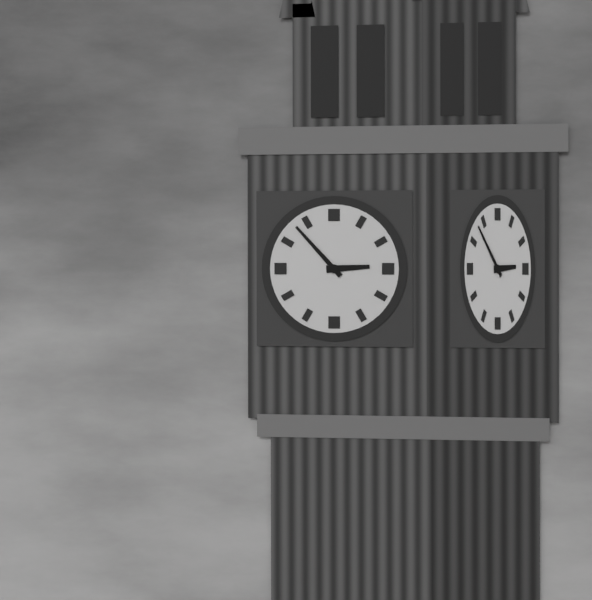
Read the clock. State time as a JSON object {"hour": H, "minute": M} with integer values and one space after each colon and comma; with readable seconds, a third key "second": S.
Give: {"hour": 2, "minute": 53}
